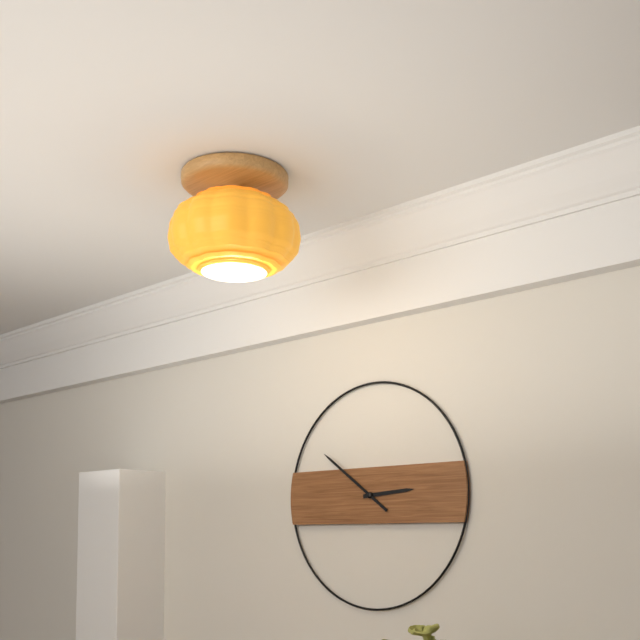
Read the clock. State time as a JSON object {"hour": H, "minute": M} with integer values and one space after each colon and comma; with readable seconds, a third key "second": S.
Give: {"hour": 2, "minute": 51}
